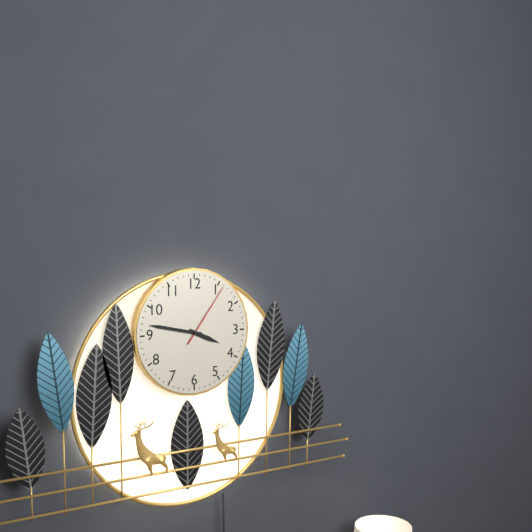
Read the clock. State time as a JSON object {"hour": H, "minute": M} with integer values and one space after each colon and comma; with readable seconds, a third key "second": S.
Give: {"hour": 3, "minute": 47, "second": 6}
